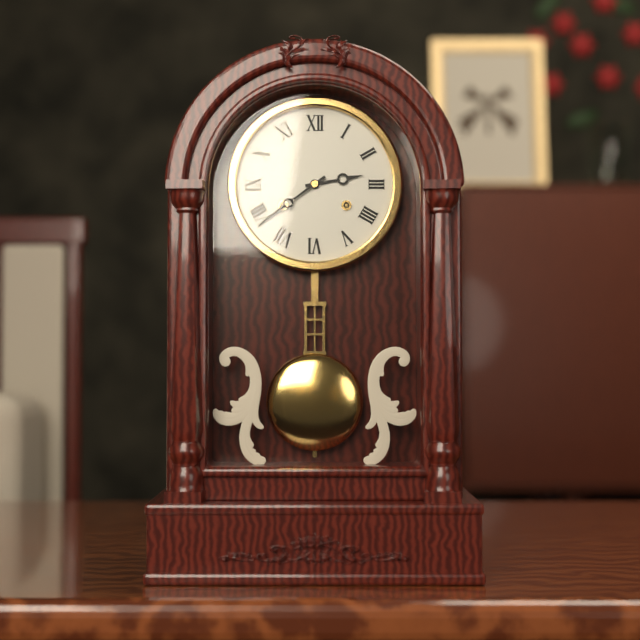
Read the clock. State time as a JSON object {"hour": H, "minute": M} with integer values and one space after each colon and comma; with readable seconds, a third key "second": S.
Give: {"hour": 2, "minute": 39}
